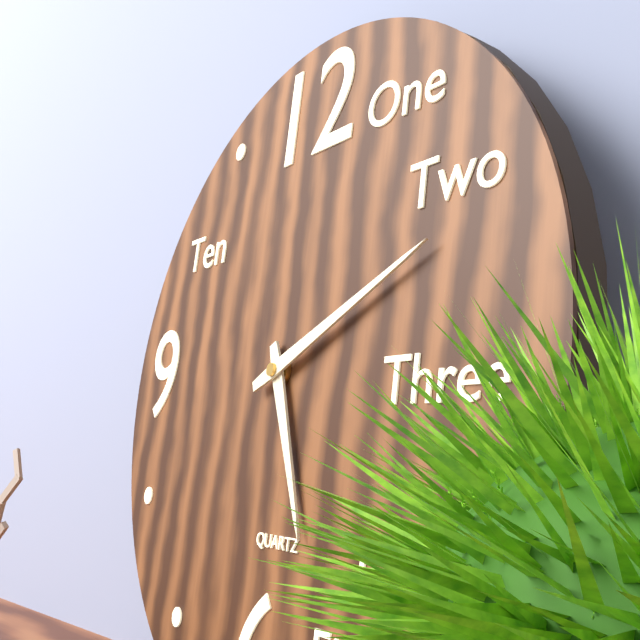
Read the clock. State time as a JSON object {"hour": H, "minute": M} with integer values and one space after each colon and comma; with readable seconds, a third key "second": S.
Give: {"hour": 5, "minute": 11}
